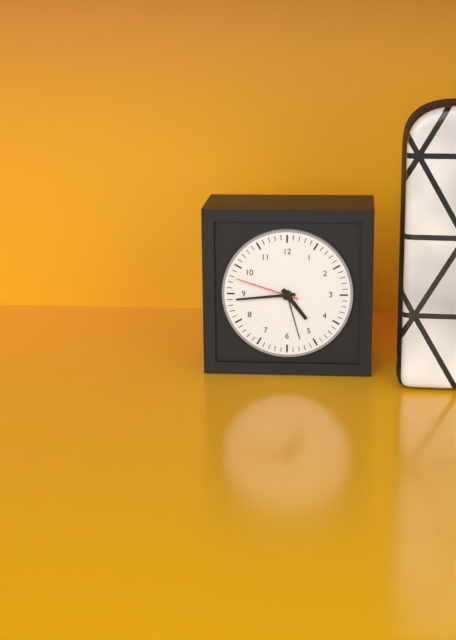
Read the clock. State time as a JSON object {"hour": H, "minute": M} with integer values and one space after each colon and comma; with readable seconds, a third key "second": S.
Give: {"hour": 4, "minute": 44, "second": 48}
